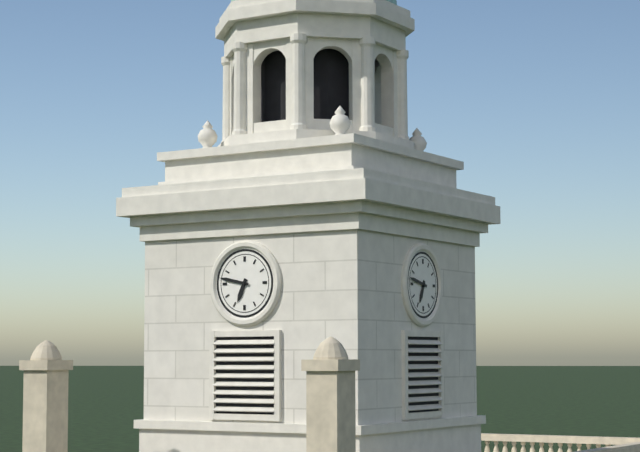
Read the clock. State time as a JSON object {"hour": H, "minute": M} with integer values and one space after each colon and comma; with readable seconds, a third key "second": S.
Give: {"hour": 6, "minute": 47}
